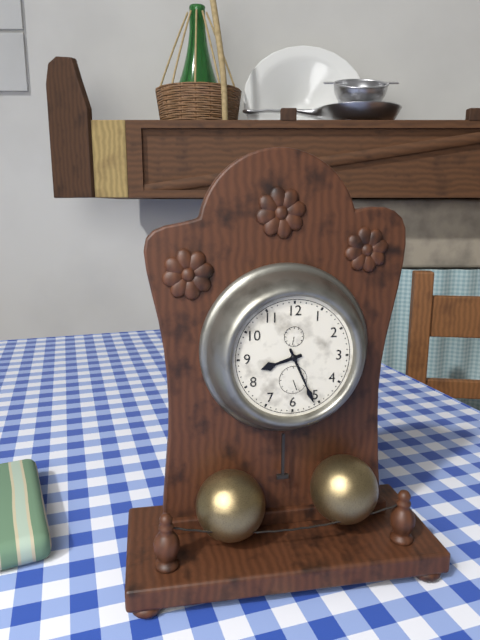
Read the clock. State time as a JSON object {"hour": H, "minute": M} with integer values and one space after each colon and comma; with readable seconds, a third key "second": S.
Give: {"hour": 8, "minute": 26}
